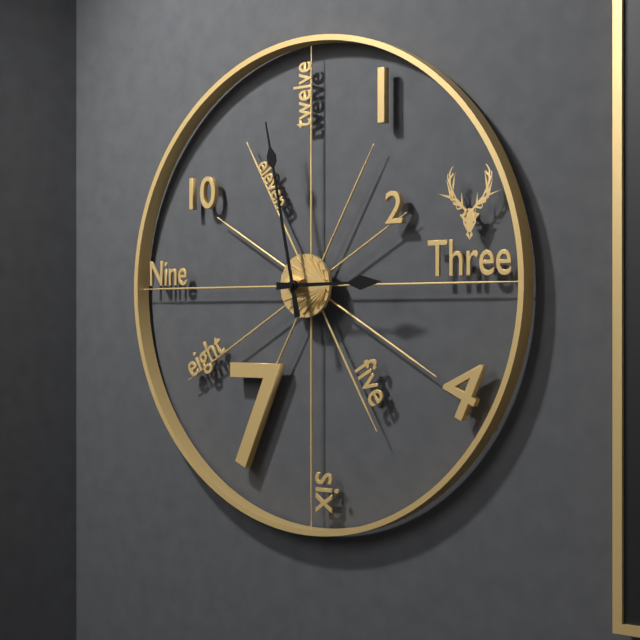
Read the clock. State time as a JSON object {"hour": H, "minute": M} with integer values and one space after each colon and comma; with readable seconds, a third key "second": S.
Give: {"hour": 2, "minute": 58}
